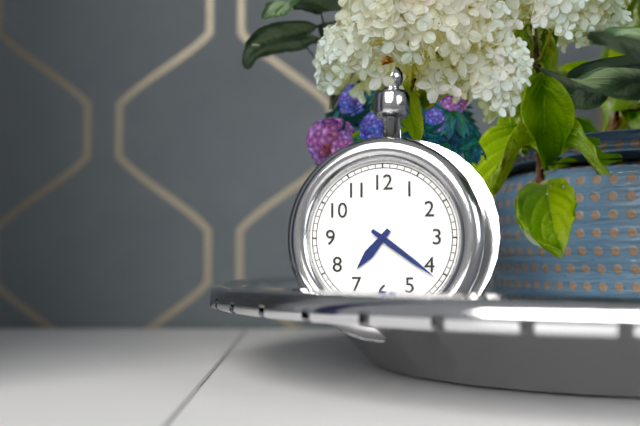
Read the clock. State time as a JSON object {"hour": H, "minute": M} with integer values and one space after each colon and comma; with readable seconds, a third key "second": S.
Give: {"hour": 7, "minute": 21}
